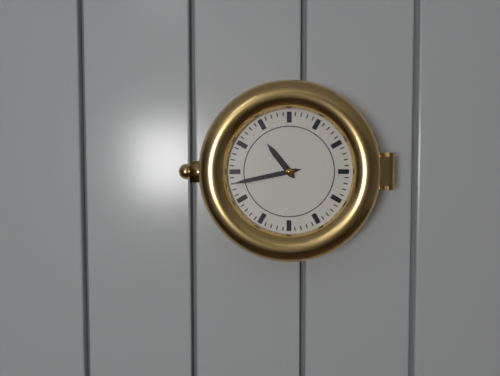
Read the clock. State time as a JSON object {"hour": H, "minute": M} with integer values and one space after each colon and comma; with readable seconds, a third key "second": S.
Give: {"hour": 10, "minute": 43}
